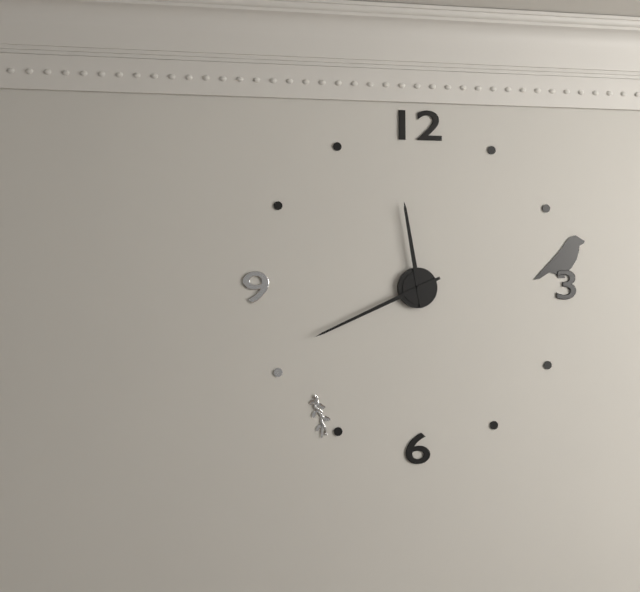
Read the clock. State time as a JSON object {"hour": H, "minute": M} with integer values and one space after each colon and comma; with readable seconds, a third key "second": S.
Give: {"hour": 11, "minute": 41}
